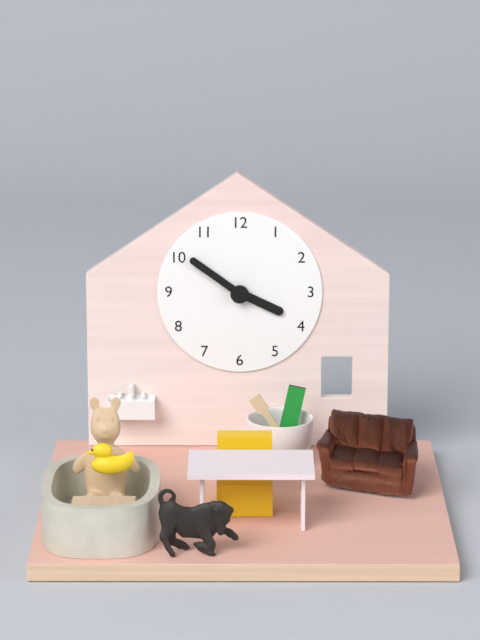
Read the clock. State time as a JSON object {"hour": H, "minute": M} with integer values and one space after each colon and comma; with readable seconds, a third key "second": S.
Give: {"hour": 3, "minute": 51}
